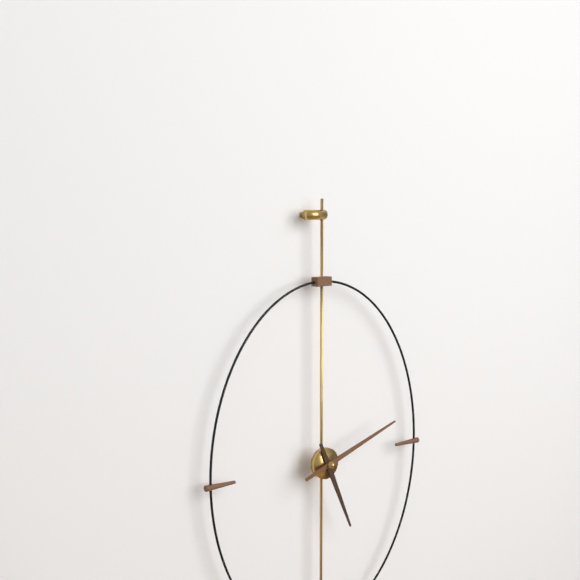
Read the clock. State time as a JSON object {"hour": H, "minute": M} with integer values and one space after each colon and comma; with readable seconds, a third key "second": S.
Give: {"hour": 5, "minute": 12}
